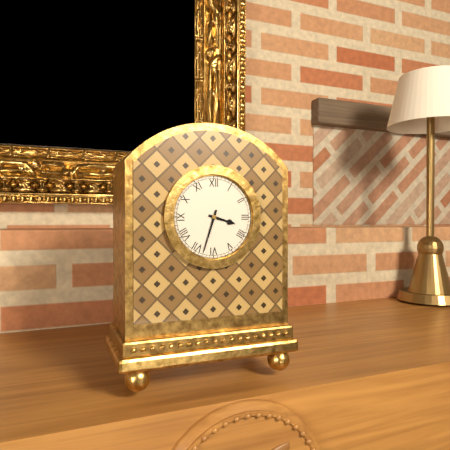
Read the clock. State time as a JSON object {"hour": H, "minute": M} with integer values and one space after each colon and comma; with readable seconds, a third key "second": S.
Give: {"hour": 3, "minute": 33}
